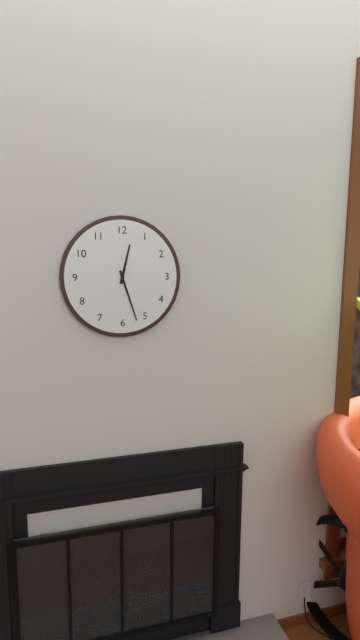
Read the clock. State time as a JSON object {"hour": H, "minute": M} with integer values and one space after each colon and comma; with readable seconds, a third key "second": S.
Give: {"hour": 12, "minute": 27}
